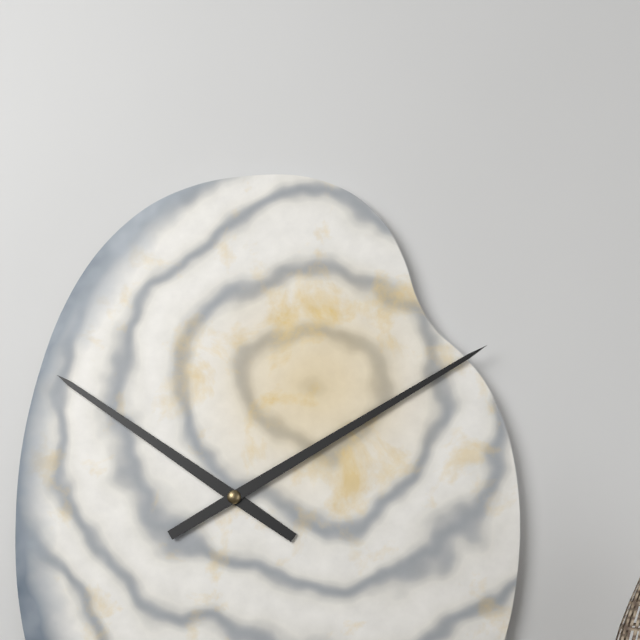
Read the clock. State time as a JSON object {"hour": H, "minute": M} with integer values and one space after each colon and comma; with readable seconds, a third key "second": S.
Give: {"hour": 10, "minute": 10}
